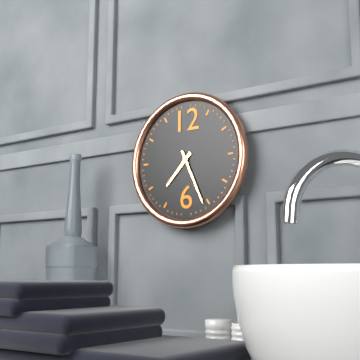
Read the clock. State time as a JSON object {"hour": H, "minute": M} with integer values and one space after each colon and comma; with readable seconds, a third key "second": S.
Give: {"hour": 7, "minute": 26}
